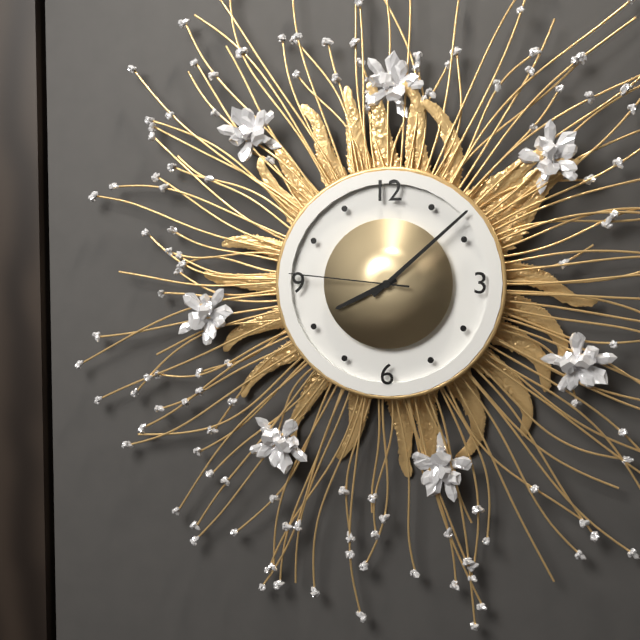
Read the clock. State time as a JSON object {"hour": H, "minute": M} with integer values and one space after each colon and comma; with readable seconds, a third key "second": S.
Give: {"hour": 8, "minute": 8, "second": 46}
